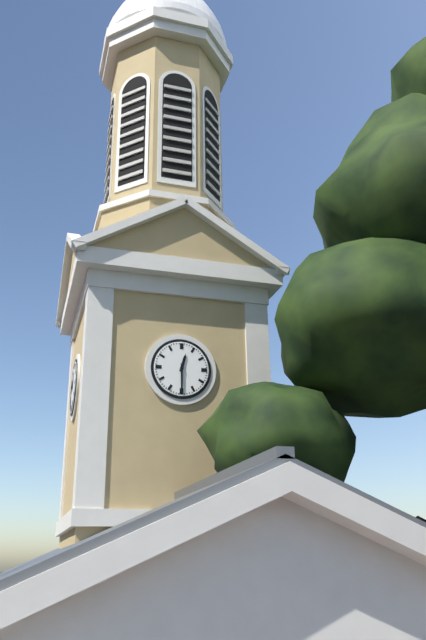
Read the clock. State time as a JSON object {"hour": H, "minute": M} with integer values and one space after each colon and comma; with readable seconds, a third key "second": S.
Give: {"hour": 12, "minute": 30}
